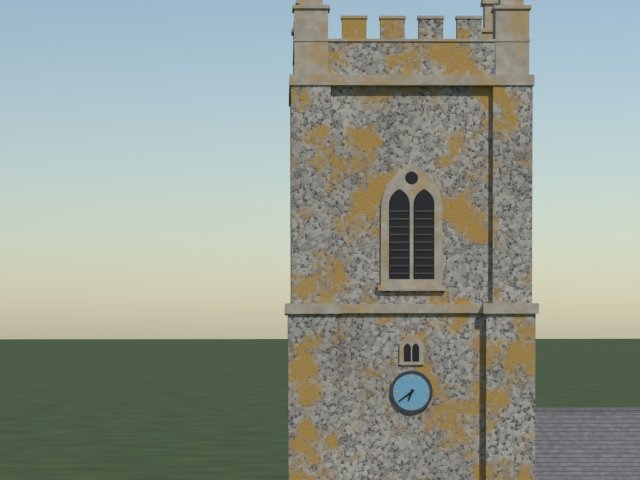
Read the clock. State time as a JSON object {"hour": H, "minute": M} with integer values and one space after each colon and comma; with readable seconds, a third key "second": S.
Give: {"hour": 6, "minute": 39}
